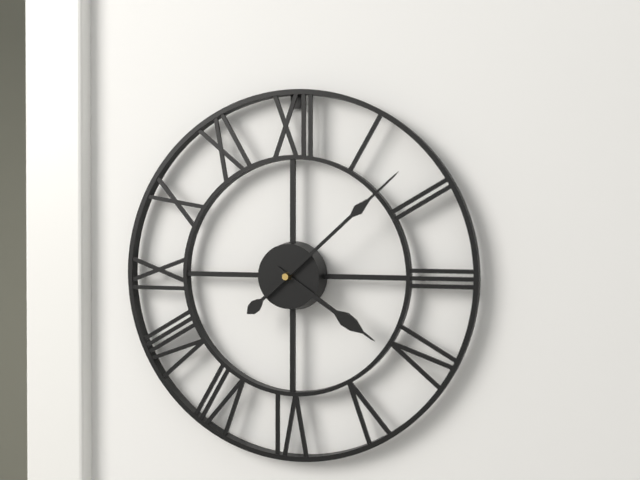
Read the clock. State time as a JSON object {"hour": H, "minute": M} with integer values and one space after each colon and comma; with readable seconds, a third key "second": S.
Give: {"hour": 4, "minute": 8}
